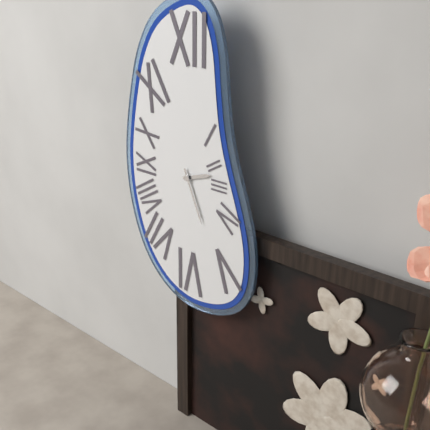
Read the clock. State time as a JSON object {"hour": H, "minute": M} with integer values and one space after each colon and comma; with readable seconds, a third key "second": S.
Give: {"hour": 2, "minute": 26}
